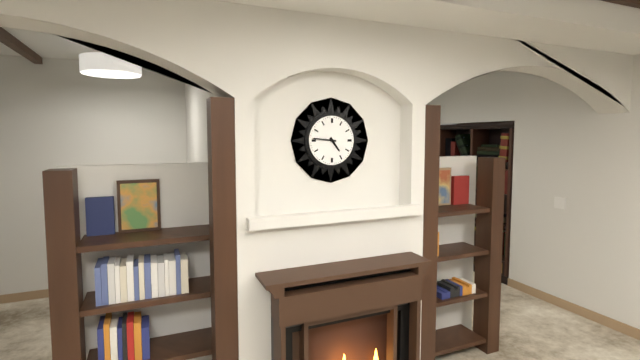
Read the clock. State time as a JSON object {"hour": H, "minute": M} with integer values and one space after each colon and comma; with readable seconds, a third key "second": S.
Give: {"hour": 4, "minute": 46}
